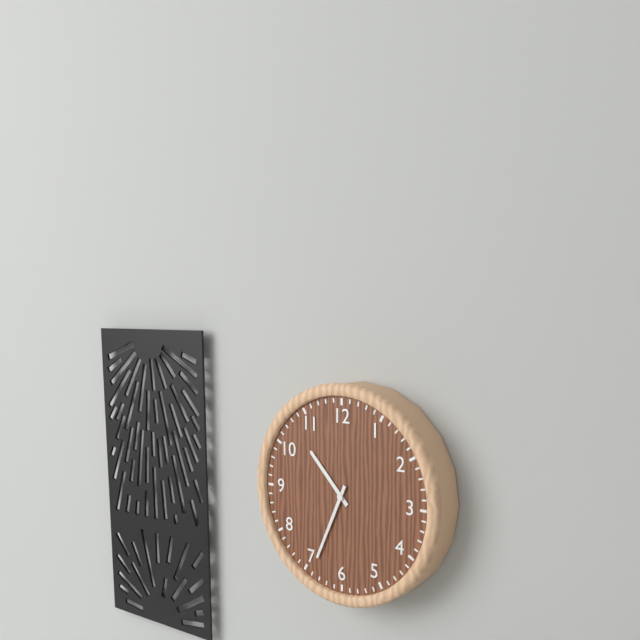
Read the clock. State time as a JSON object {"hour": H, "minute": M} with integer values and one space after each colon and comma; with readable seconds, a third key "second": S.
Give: {"hour": 10, "minute": 34}
